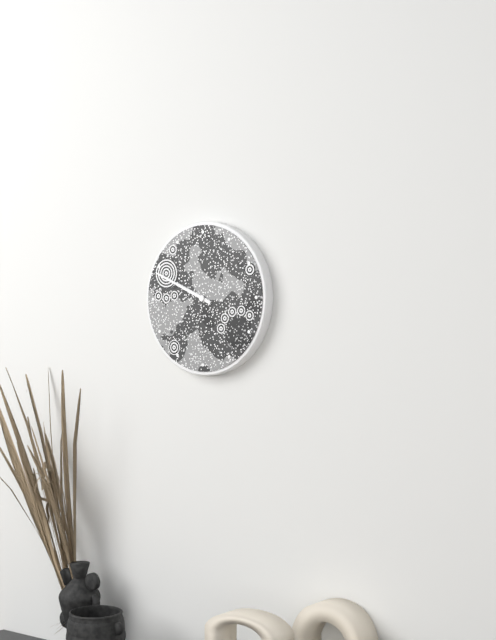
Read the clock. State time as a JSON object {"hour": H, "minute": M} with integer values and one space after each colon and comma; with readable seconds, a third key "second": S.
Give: {"hour": 9, "minute": 49}
